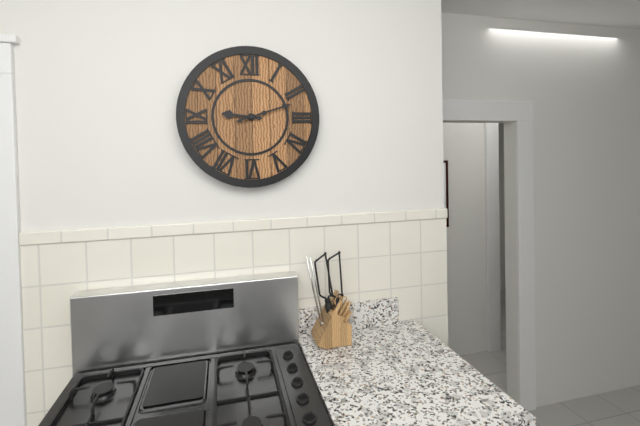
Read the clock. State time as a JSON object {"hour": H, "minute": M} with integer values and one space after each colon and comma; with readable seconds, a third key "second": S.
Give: {"hour": 9, "minute": 12}
